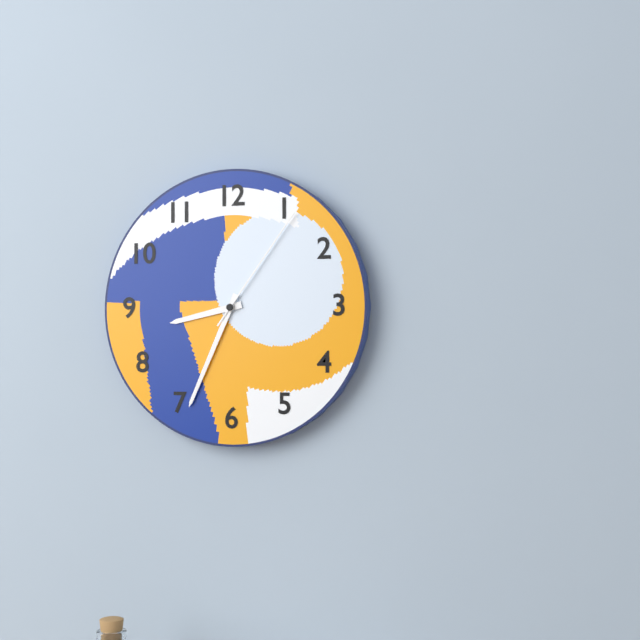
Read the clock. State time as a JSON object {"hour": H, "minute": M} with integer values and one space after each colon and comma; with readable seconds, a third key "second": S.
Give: {"hour": 8, "minute": 34, "second": 6}
